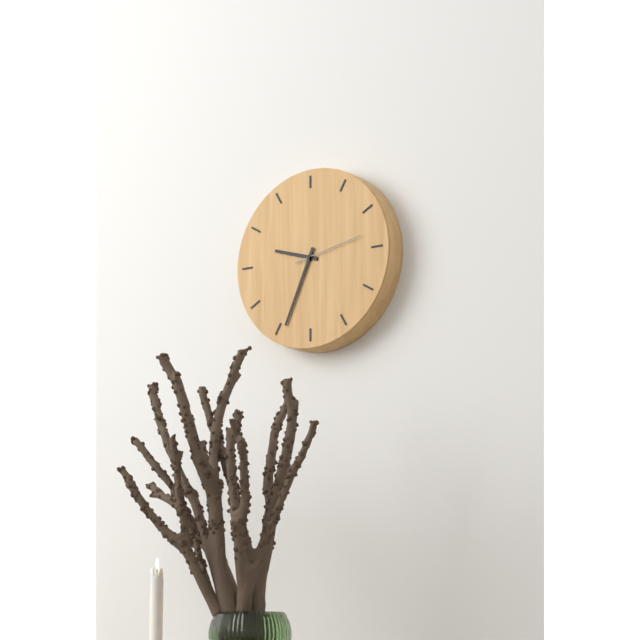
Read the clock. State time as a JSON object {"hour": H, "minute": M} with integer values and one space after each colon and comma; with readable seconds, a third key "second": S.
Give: {"hour": 9, "minute": 34, "second": 13}
